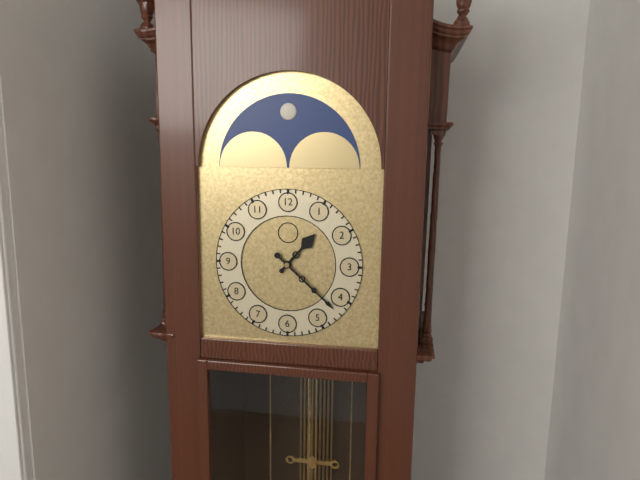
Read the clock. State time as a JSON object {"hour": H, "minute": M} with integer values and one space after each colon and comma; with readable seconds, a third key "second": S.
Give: {"hour": 1, "minute": 22}
